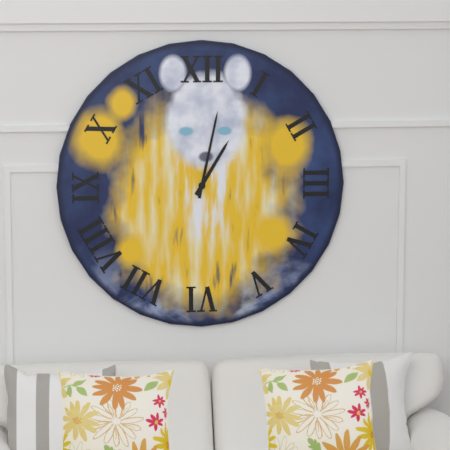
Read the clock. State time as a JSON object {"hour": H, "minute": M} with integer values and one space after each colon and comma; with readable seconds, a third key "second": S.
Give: {"hour": 1, "minute": 2}
